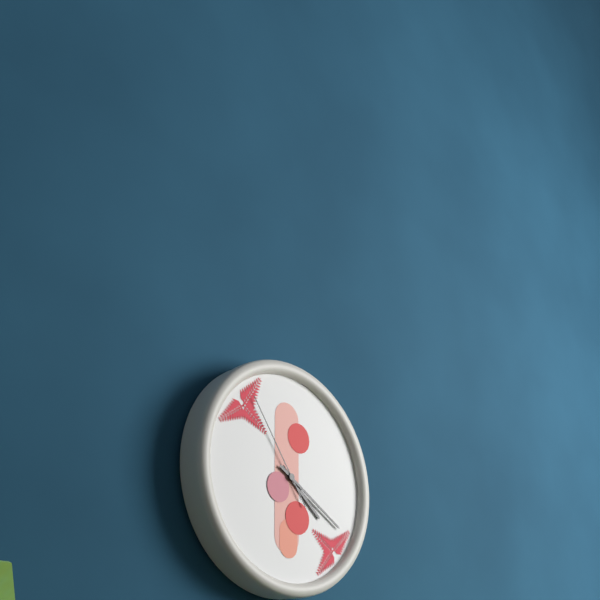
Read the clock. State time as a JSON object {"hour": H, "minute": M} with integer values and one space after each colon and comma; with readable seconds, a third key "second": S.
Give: {"hour": 4, "minute": 20, "second": 54}
